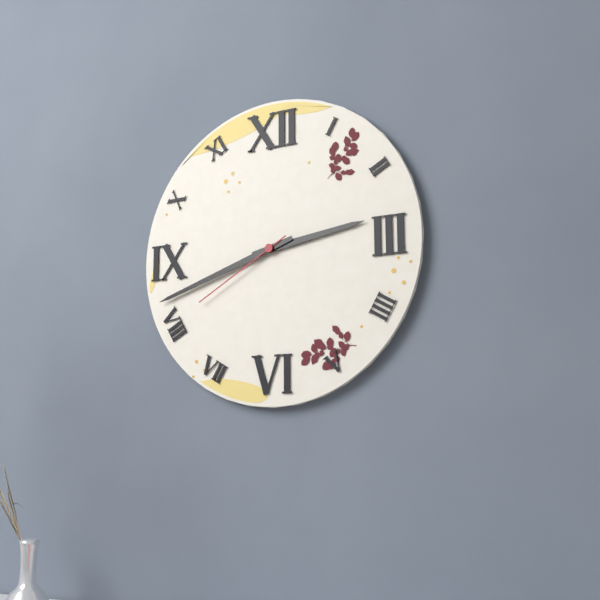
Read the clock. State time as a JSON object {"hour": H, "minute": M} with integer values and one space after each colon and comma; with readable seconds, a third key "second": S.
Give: {"hour": 2, "minute": 42, "second": 40}
